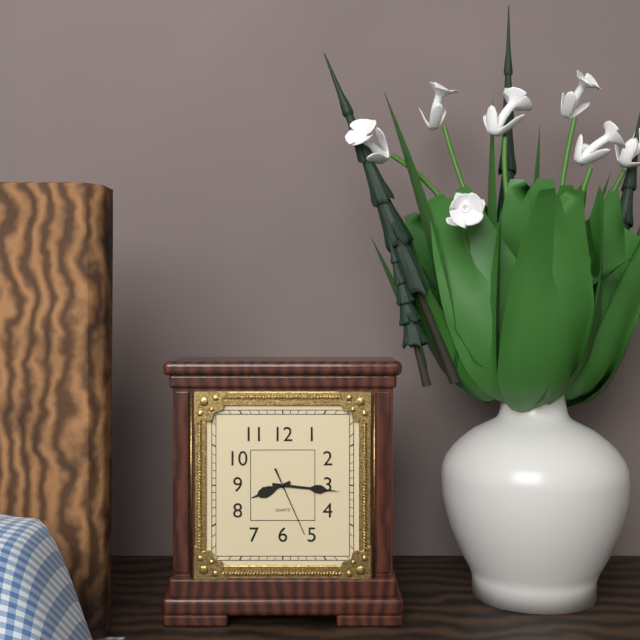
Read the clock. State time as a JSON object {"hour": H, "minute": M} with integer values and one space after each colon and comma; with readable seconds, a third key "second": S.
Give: {"hour": 8, "minute": 16, "second": 26}
